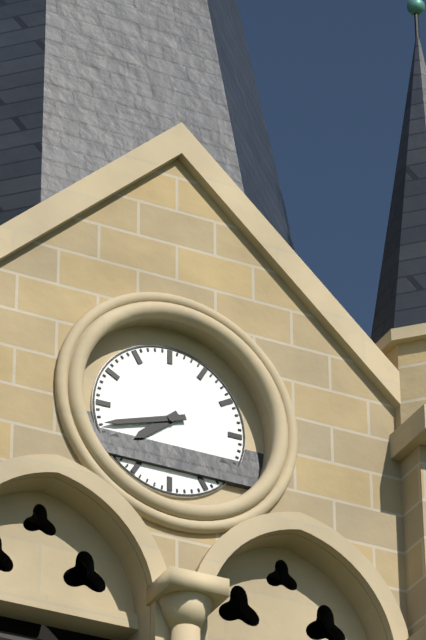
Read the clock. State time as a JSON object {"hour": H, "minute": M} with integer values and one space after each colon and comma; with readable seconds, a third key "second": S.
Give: {"hour": 7, "minute": 42}
